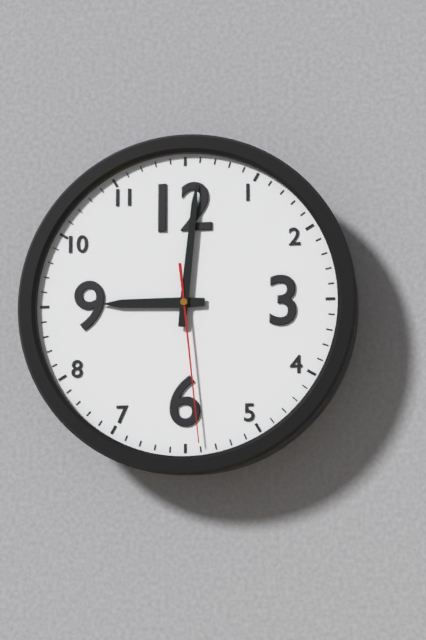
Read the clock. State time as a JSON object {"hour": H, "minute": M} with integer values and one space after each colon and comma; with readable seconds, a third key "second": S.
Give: {"hour": 9, "minute": 1, "second": 29}
